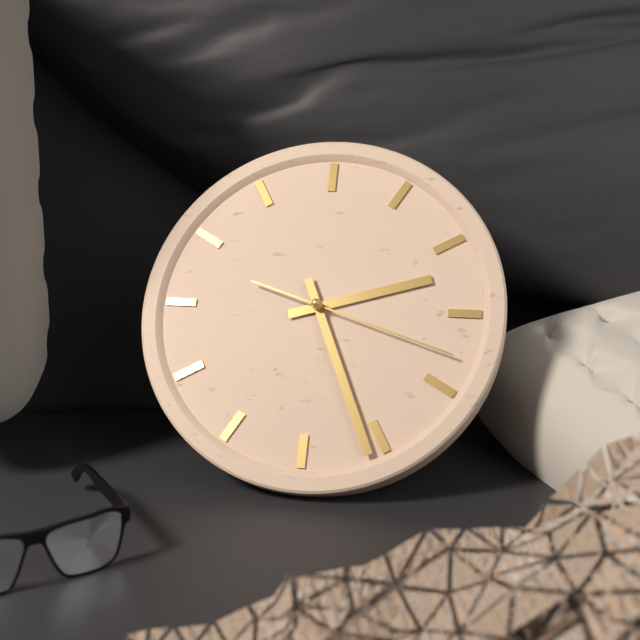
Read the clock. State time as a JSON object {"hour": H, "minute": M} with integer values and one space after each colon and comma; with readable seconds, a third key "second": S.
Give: {"hour": 2, "minute": 26, "second": 18}
